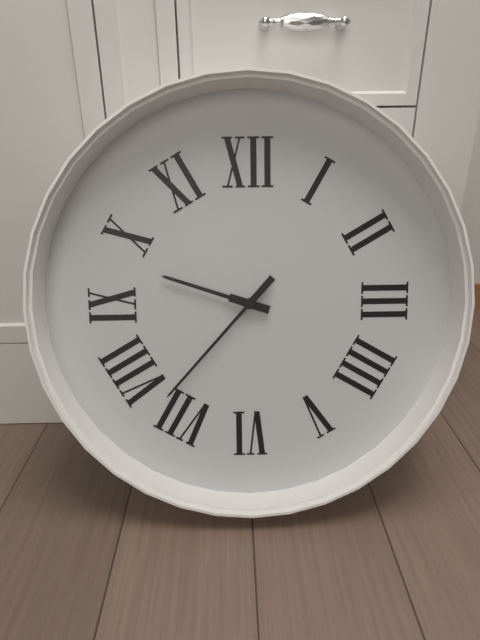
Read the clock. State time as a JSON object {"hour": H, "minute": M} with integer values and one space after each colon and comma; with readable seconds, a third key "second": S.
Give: {"hour": 9, "minute": 37}
